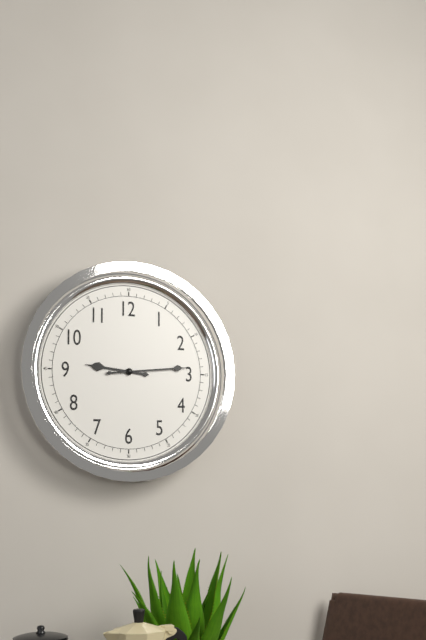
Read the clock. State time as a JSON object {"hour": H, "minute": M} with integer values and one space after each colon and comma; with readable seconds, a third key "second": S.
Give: {"hour": 9, "minute": 14}
